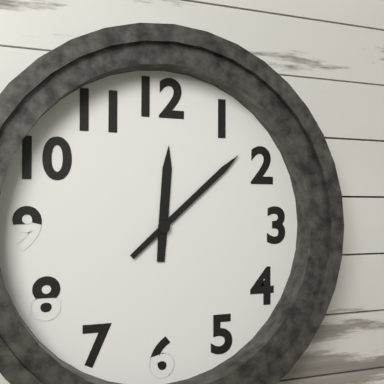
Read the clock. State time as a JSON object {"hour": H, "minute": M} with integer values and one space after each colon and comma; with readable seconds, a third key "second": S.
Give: {"hour": 12, "minute": 8}
